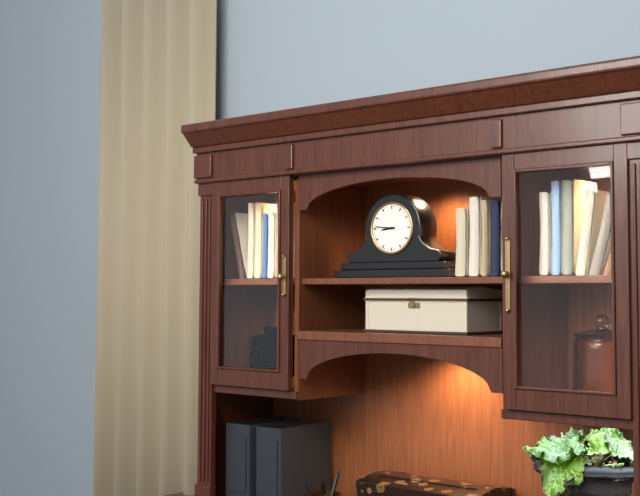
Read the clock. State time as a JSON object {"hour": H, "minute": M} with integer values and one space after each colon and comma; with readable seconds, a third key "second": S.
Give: {"hour": 8, "minute": 46}
